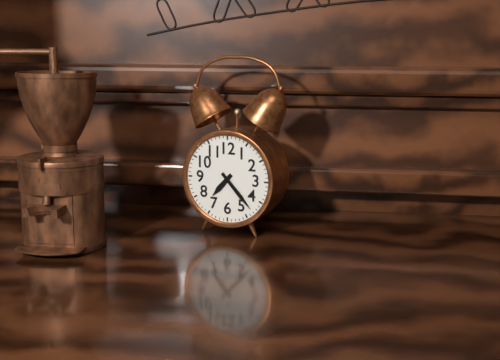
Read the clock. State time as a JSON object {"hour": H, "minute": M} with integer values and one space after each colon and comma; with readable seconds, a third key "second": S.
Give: {"hour": 7, "minute": 23}
